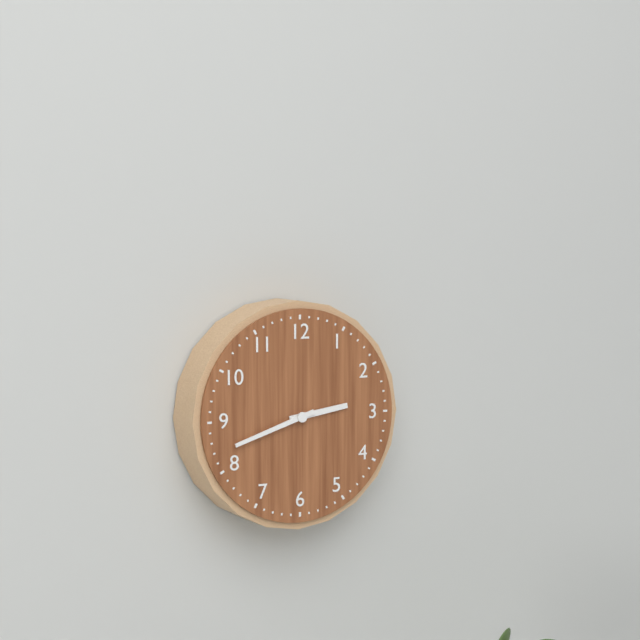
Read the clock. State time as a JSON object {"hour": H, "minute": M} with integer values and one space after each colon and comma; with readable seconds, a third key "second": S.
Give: {"hour": 2, "minute": 42}
